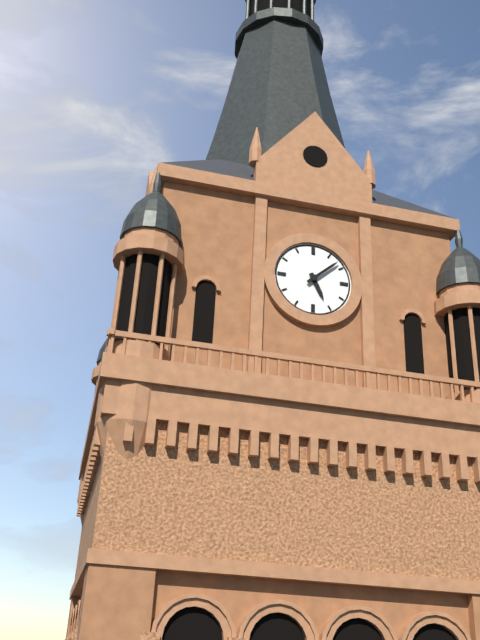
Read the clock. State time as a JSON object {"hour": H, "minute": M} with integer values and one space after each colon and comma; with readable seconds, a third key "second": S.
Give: {"hour": 5, "minute": 8}
